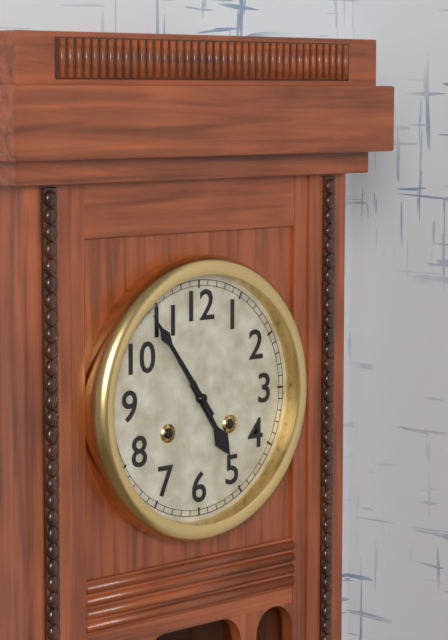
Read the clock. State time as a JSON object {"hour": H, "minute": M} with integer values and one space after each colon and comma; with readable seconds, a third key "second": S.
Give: {"hour": 4, "minute": 54}
